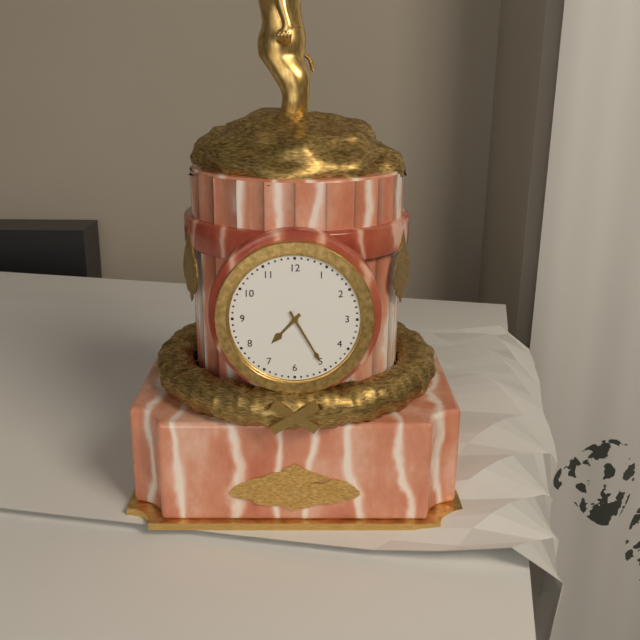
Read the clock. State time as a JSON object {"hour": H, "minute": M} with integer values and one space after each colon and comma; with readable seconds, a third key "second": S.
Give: {"hour": 7, "minute": 25}
